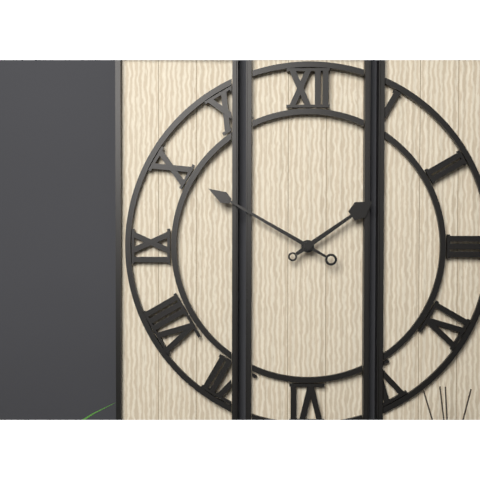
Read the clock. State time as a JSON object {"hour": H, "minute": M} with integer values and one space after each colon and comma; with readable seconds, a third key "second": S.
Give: {"hour": 1, "minute": 50}
